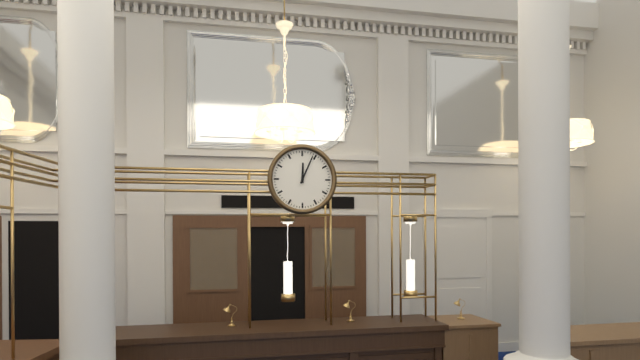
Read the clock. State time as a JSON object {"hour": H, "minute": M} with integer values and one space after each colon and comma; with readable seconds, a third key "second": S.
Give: {"hour": 12, "minute": 4}
